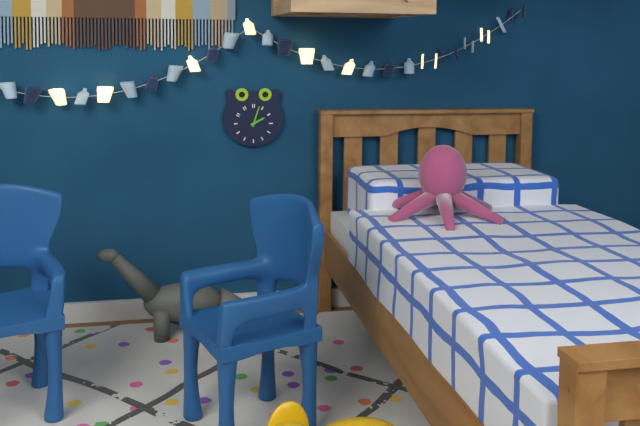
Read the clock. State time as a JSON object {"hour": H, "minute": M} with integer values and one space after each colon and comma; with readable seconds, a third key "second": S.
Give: {"hour": 2, "minute": 3}
